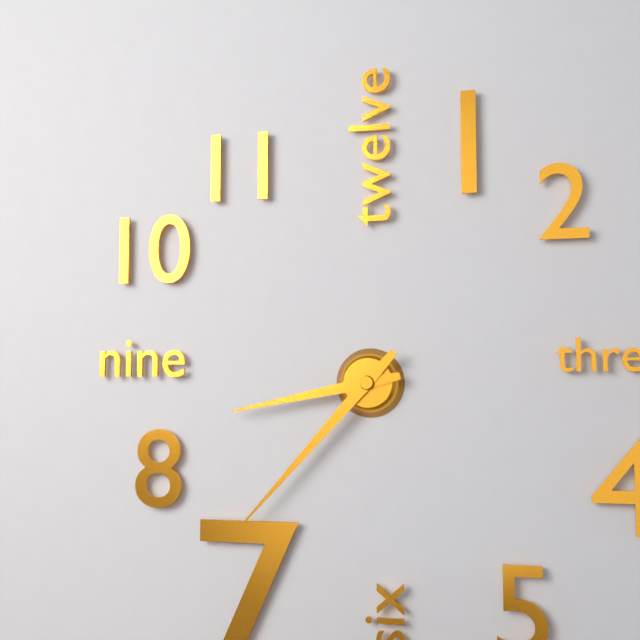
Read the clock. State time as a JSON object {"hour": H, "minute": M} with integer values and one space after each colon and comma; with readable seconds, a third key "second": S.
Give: {"hour": 8, "minute": 37}
